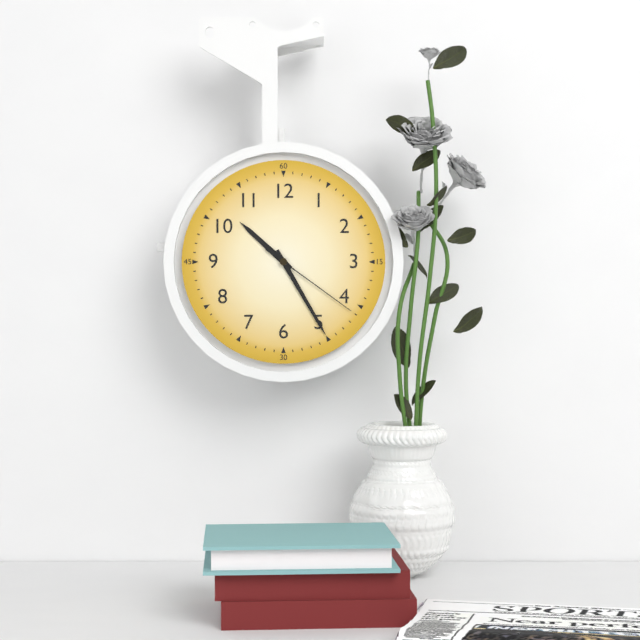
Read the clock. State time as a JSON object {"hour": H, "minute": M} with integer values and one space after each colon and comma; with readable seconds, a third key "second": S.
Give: {"hour": 10, "minute": 25, "second": 21}
